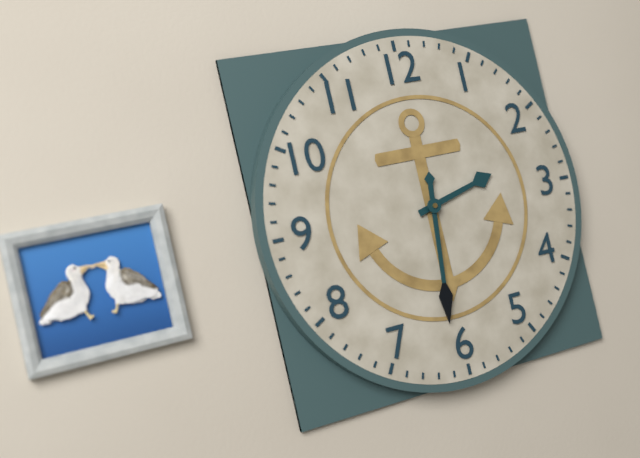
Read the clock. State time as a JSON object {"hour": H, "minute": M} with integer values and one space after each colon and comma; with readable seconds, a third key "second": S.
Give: {"hour": 2, "minute": 31}
